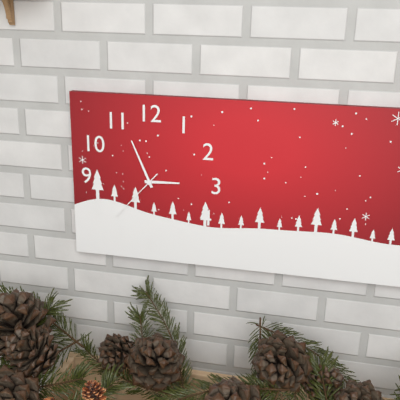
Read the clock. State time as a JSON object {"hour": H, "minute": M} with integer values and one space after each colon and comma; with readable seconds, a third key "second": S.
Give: {"hour": 2, "minute": 56, "second": 37}
